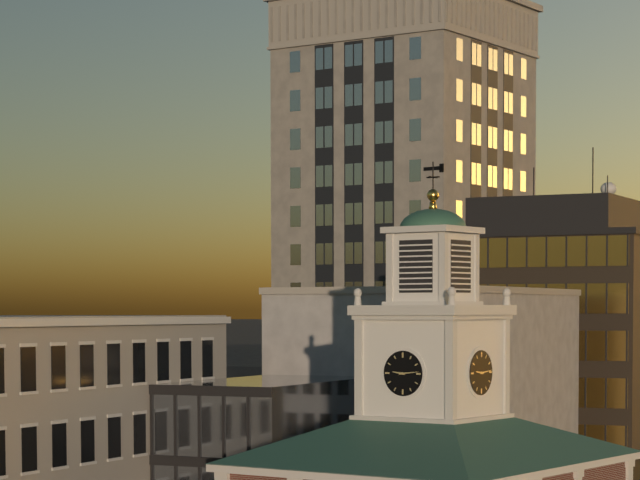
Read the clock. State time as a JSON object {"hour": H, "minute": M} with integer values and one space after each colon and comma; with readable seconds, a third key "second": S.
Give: {"hour": 9, "minute": 14}
